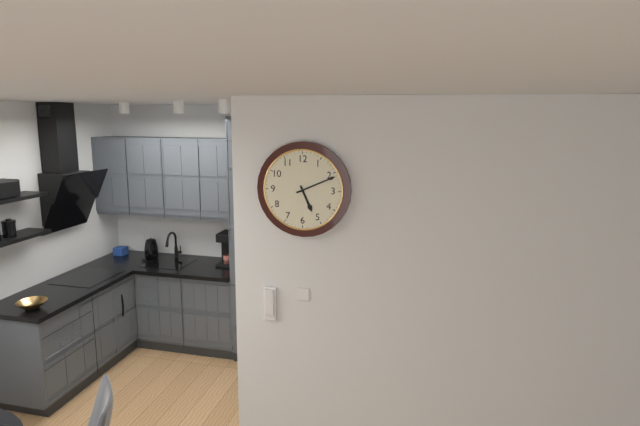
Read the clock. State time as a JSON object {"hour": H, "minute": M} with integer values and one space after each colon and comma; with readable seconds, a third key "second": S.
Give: {"hour": 5, "minute": 11}
